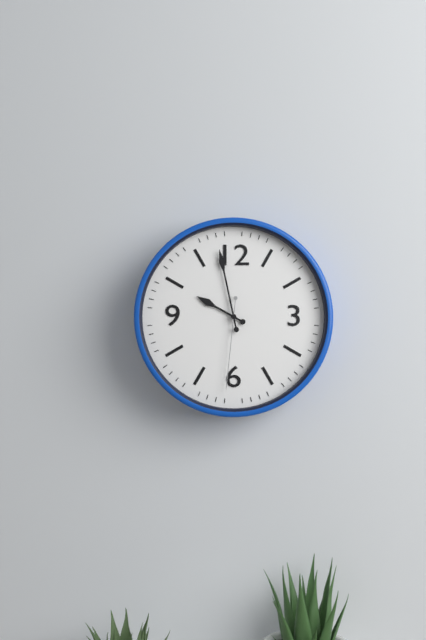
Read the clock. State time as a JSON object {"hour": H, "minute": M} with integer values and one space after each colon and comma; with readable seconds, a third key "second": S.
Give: {"hour": 9, "minute": 58, "second": 31}
